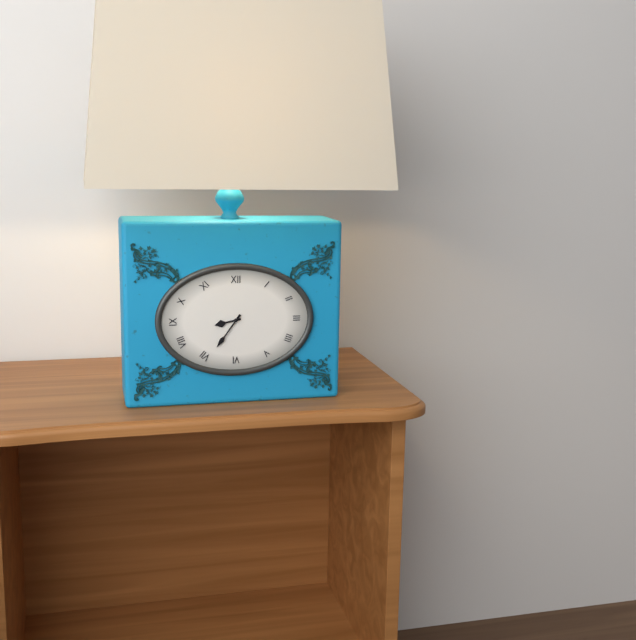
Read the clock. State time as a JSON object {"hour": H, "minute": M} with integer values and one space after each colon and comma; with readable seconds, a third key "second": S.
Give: {"hour": 8, "minute": 36}
